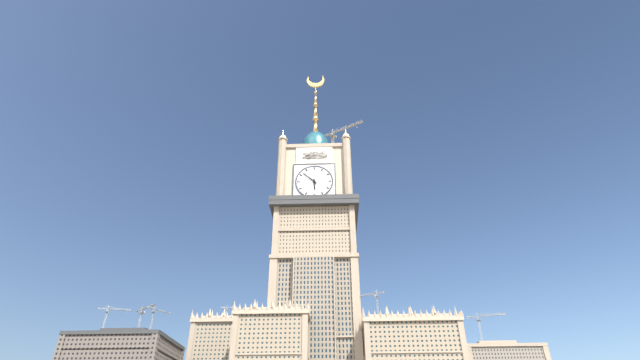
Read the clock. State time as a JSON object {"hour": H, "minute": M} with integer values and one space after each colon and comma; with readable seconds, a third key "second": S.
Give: {"hour": 5, "minute": 52}
